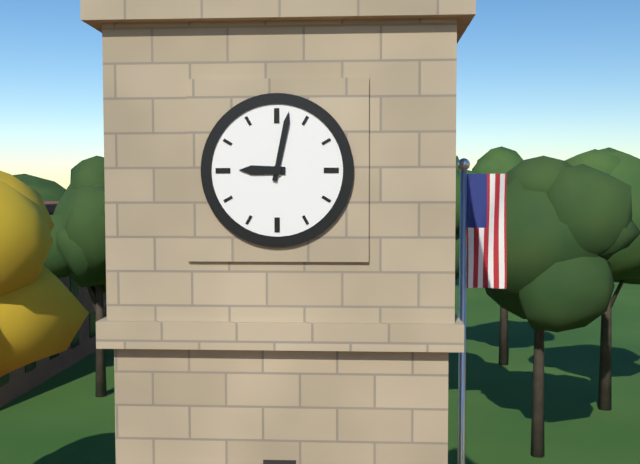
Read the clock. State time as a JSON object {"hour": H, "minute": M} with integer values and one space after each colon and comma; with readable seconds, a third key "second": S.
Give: {"hour": 9, "minute": 2}
